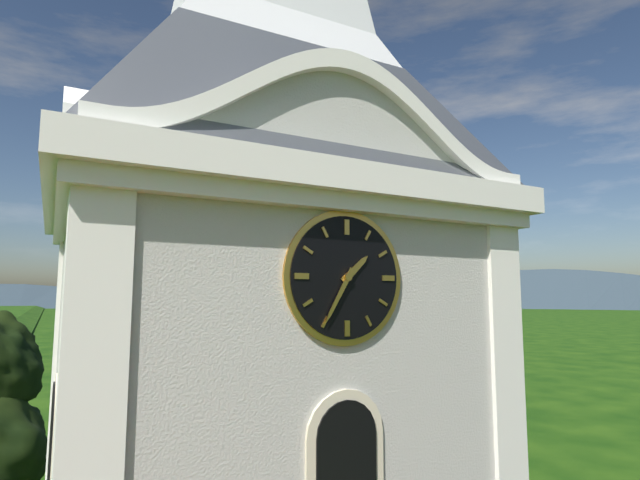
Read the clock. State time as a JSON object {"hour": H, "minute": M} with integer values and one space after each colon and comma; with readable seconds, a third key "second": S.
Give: {"hour": 1, "minute": 35}
